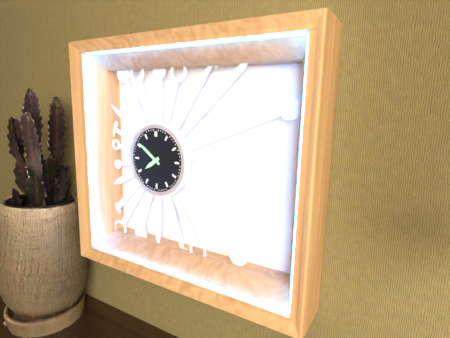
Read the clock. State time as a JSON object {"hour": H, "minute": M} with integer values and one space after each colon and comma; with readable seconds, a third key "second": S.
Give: {"hour": 7, "minute": 51}
